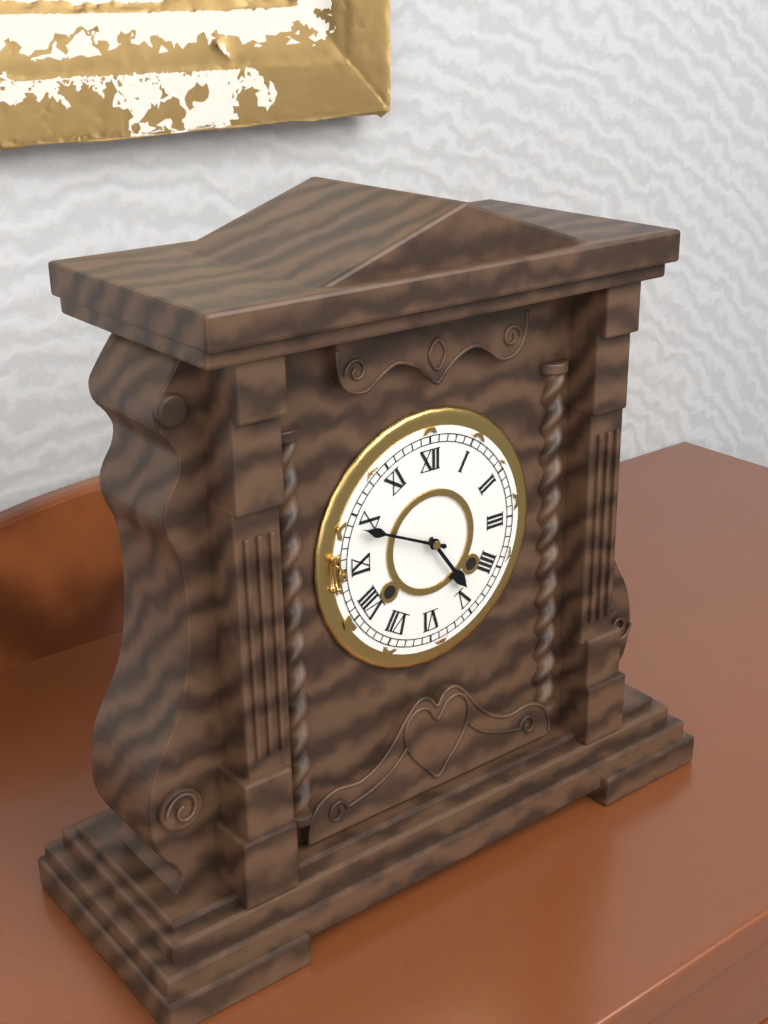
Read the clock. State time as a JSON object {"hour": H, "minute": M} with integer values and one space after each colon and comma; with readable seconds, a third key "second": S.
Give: {"hour": 4, "minute": 49}
